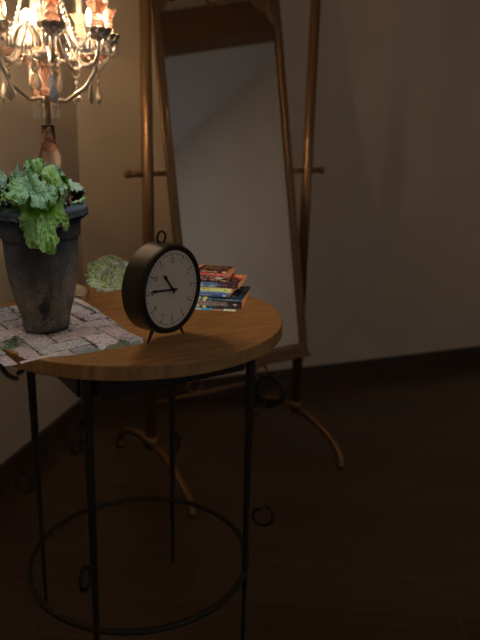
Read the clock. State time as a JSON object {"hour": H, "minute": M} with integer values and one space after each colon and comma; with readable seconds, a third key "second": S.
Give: {"hour": 10, "minute": 46}
